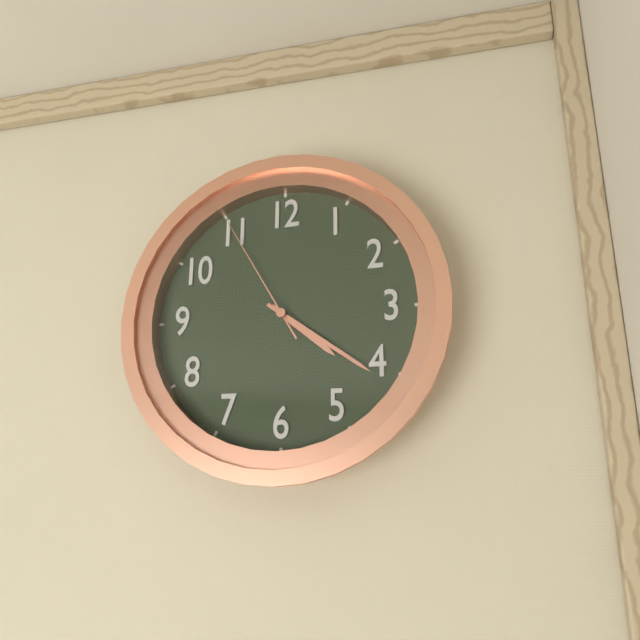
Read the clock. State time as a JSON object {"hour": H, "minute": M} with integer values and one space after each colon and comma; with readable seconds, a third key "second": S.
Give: {"hour": 4, "minute": 21, "second": 55}
